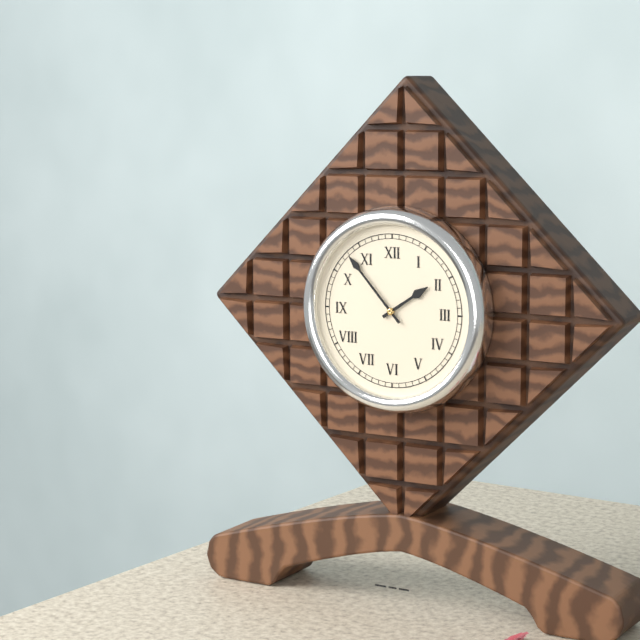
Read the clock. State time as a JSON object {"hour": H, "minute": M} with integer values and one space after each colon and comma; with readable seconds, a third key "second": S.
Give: {"hour": 1, "minute": 53}
